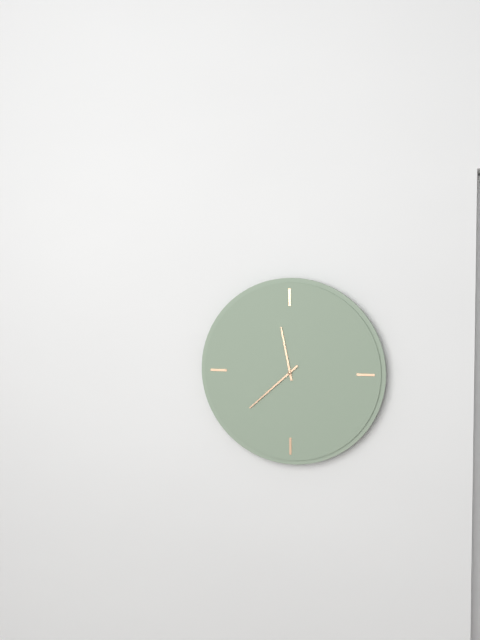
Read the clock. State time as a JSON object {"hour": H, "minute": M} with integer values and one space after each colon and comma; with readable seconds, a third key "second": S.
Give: {"hour": 11, "minute": 38}
